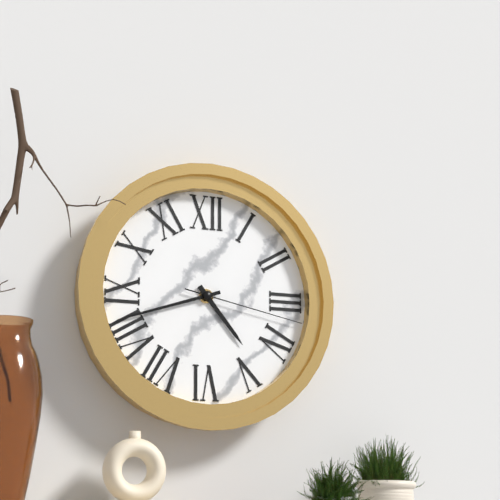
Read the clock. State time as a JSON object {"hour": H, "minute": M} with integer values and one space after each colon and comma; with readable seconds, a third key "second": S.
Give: {"hour": 4, "minute": 42, "second": 17}
